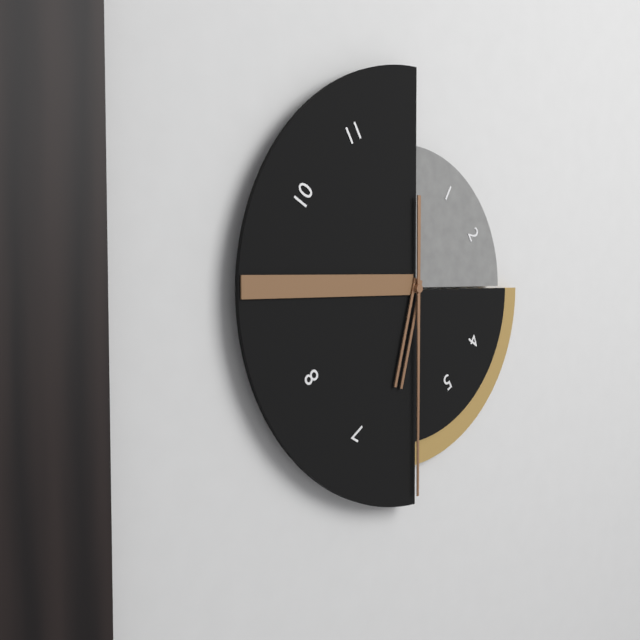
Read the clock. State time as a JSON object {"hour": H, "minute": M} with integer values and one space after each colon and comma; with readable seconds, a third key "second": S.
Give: {"hour": 6, "minute": 30}
